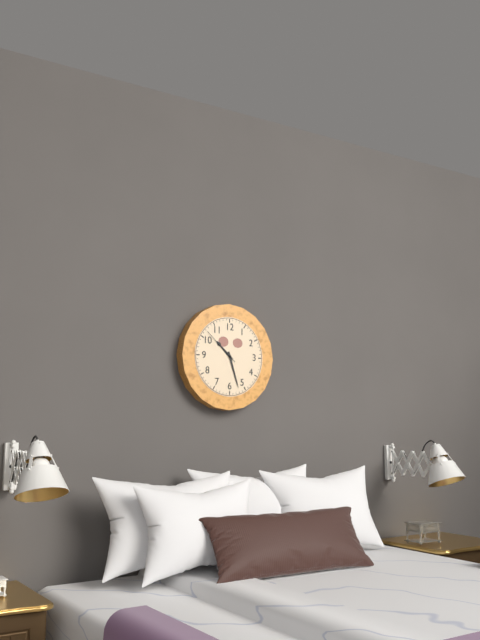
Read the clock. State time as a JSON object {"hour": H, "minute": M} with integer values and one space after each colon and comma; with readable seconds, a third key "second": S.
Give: {"hour": 10, "minute": 27}
